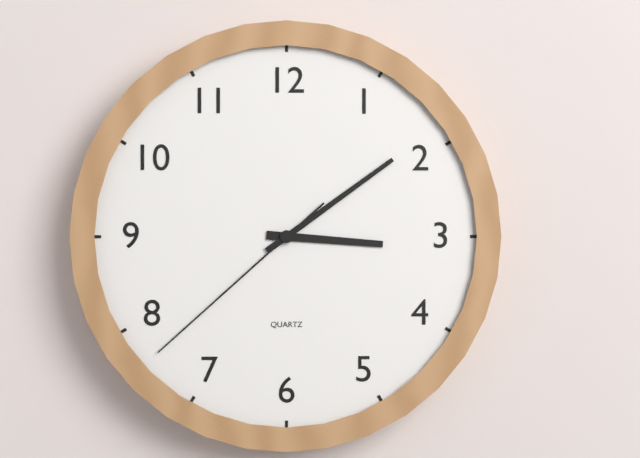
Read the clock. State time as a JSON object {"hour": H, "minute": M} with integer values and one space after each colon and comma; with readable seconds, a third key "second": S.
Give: {"hour": 3, "minute": 9, "second": 38}
